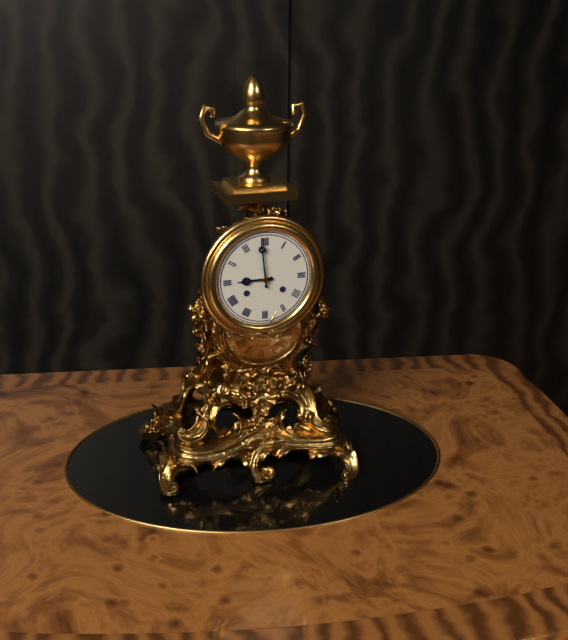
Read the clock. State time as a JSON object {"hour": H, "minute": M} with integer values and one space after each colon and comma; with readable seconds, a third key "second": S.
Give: {"hour": 8, "minute": 59}
